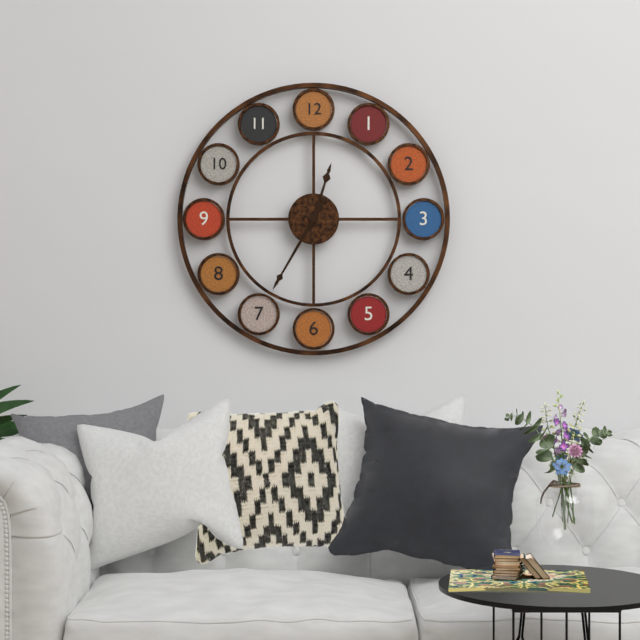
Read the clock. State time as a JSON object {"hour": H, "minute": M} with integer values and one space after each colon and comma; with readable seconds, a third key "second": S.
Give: {"hour": 12, "minute": 35}
